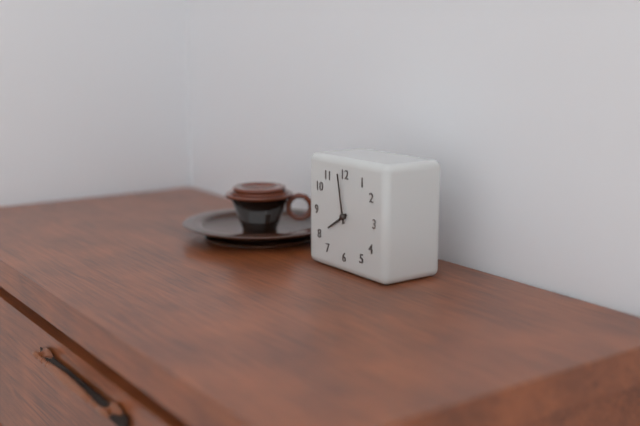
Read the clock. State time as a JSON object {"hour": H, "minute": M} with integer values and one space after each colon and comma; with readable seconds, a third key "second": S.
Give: {"hour": 7, "minute": 58}
